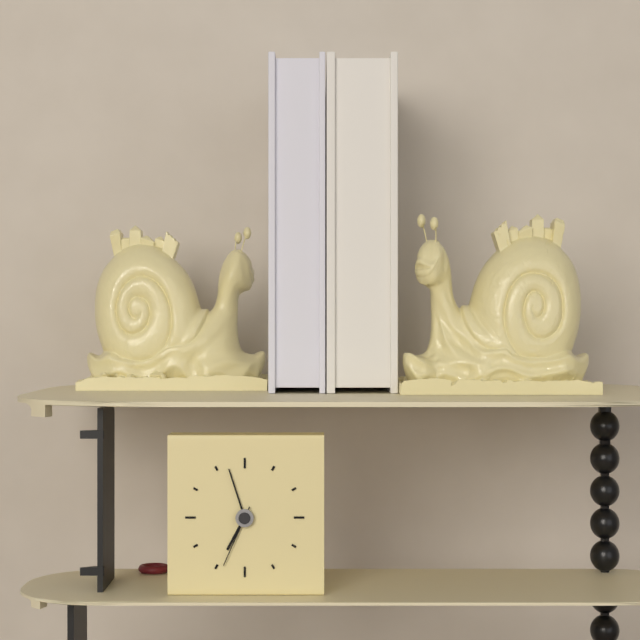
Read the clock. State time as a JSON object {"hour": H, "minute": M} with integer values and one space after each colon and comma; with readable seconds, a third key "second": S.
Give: {"hour": 6, "minute": 57, "second": 34}
